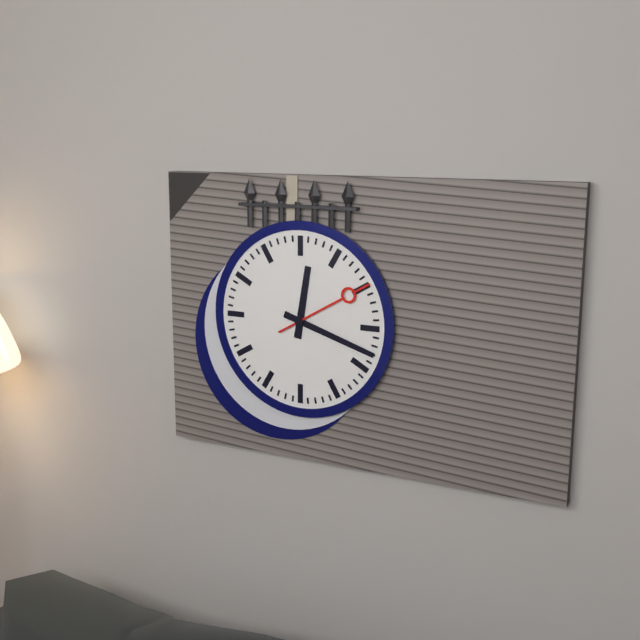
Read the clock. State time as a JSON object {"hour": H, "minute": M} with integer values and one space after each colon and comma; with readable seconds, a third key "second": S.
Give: {"hour": 12, "minute": 18, "second": 10}
